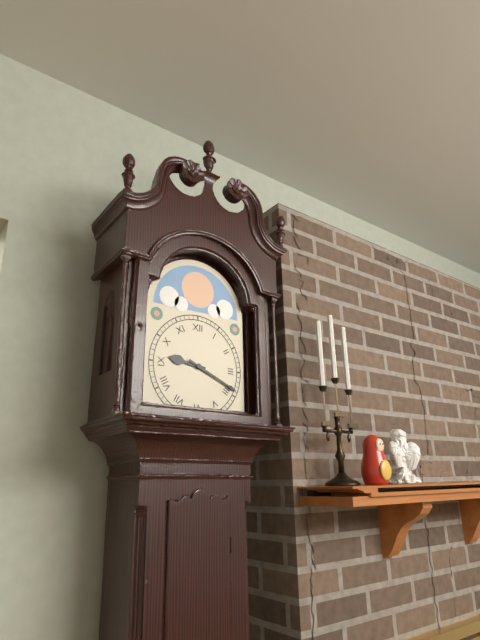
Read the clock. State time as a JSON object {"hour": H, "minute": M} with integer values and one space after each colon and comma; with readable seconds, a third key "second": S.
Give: {"hour": 9, "minute": 19}
